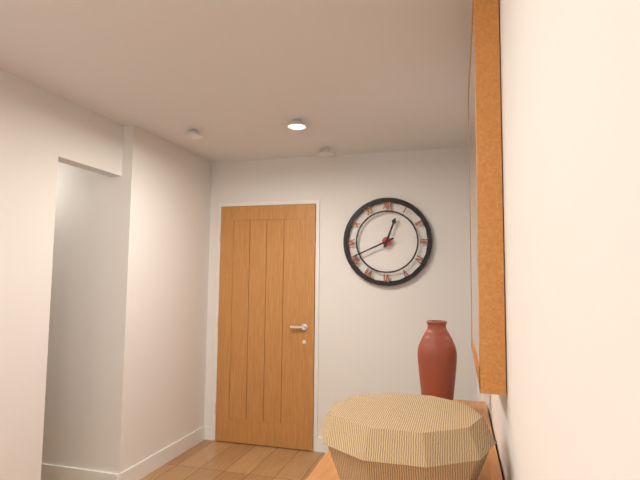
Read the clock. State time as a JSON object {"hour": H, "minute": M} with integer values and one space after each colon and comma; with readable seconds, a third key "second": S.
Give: {"hour": 12, "minute": 41}
